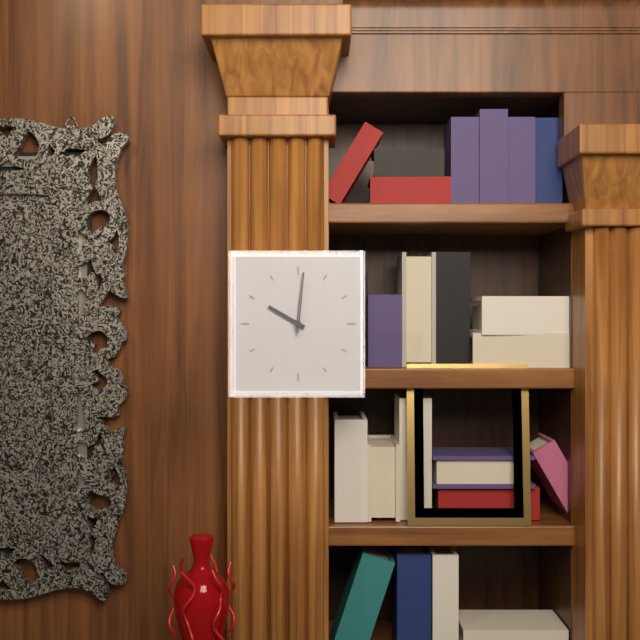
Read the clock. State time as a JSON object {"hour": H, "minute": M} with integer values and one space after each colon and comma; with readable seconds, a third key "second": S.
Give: {"hour": 10, "minute": 1, "second": 1}
